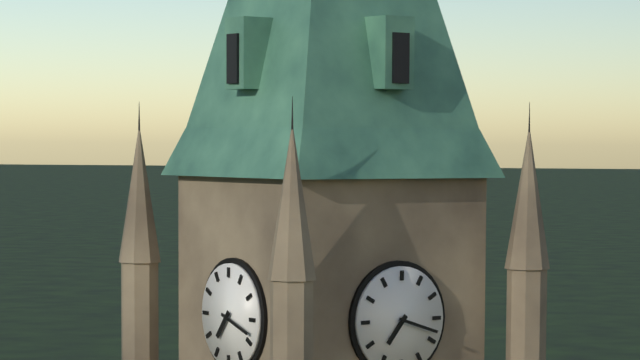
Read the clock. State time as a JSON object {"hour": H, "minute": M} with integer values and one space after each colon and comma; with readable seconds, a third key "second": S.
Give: {"hour": 7, "minute": 18}
